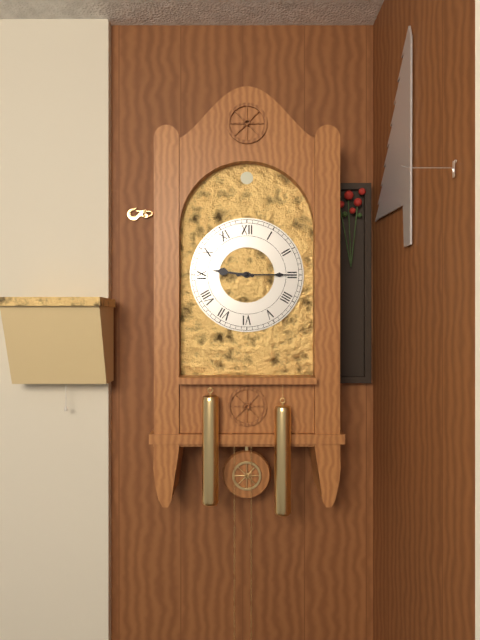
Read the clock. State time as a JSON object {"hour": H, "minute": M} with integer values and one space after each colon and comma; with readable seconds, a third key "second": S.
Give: {"hour": 9, "minute": 15}
